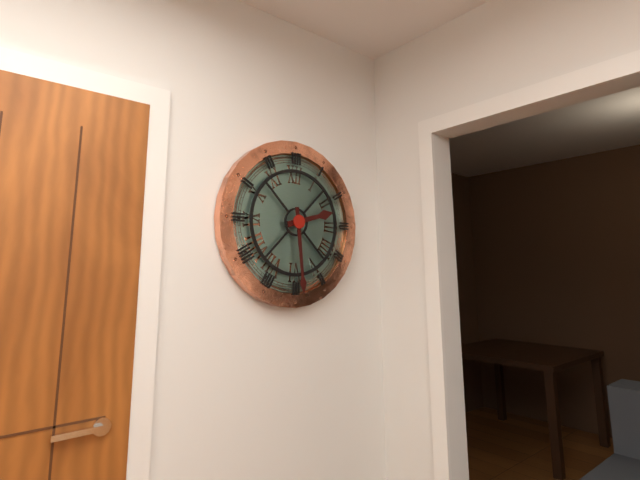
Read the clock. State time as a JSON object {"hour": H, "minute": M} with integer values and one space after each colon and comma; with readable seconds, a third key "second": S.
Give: {"hour": 2, "minute": 29}
